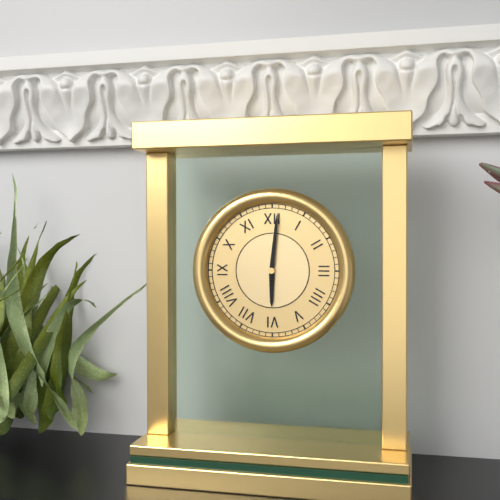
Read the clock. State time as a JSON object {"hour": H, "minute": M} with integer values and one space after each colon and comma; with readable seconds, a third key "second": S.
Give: {"hour": 6, "minute": 1}
